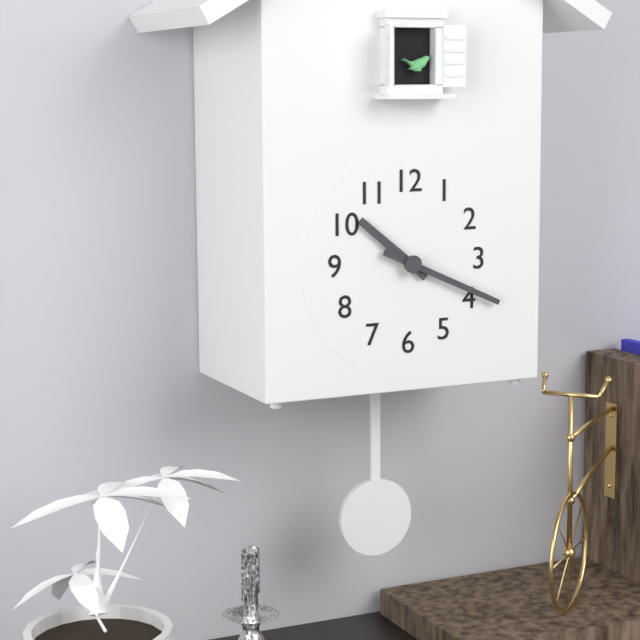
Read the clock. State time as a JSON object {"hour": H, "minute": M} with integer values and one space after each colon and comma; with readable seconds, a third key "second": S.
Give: {"hour": 10, "minute": 19}
